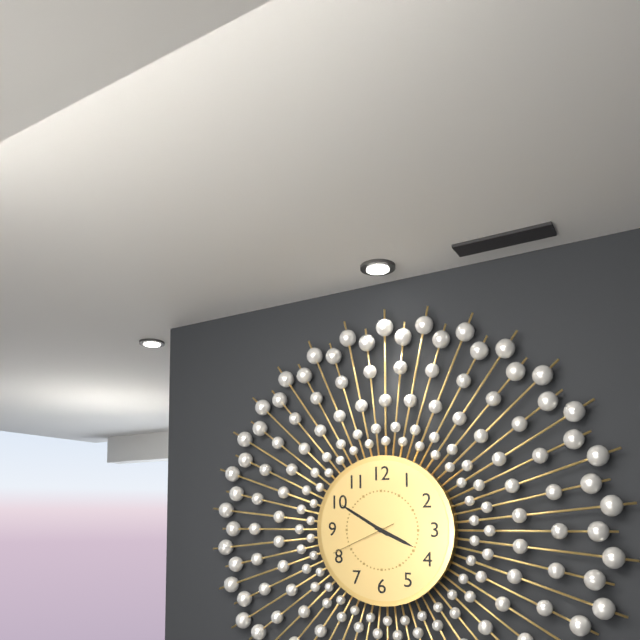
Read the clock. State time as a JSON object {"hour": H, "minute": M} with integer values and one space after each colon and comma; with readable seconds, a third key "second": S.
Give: {"hour": 3, "minute": 50, "second": 41}
